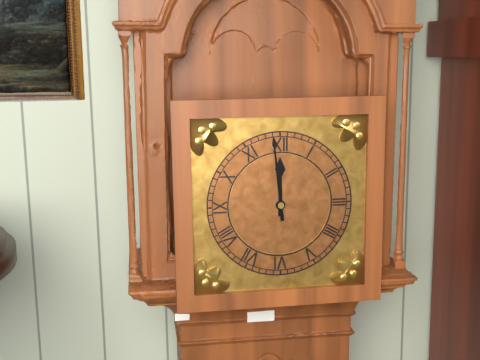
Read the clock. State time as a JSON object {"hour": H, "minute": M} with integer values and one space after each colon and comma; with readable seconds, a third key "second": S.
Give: {"hour": 11, "minute": 59}
